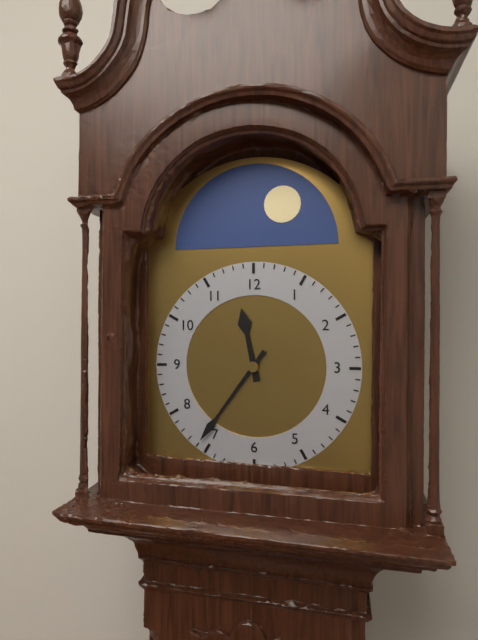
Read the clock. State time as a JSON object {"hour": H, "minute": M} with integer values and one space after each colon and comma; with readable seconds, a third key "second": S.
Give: {"hour": 11, "minute": 36}
